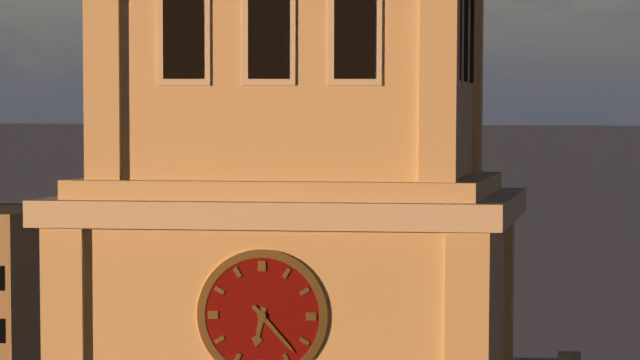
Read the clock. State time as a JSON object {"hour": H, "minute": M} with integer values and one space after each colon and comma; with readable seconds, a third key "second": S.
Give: {"hour": 6, "minute": 23}
